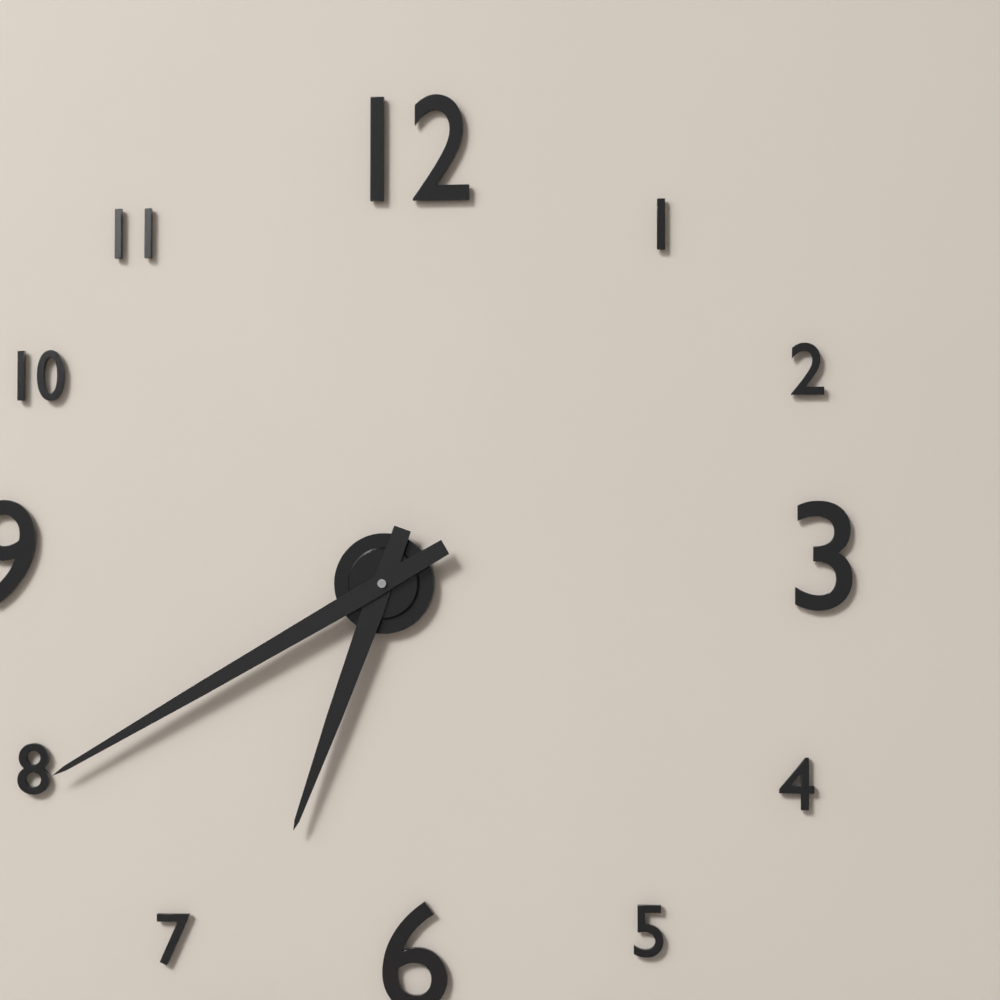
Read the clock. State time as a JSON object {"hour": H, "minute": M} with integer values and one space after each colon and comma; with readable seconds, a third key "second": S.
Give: {"hour": 6, "minute": 40}
